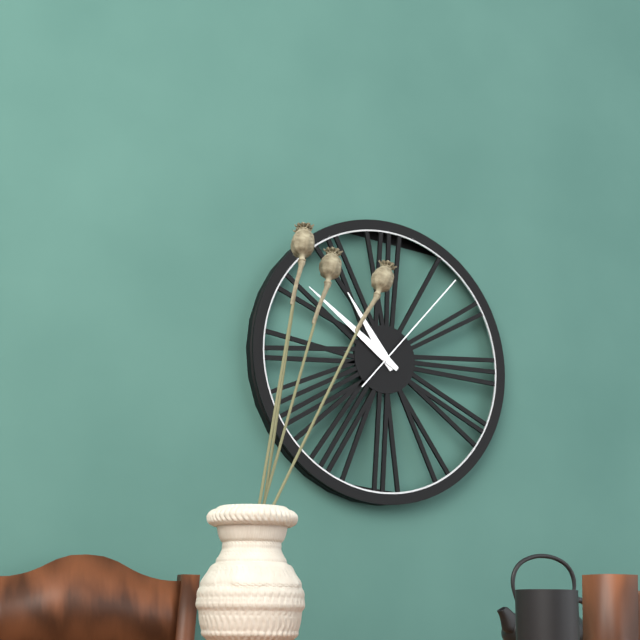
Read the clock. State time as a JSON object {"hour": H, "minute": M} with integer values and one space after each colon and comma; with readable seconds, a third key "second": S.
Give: {"hour": 10, "minute": 51, "second": 7}
